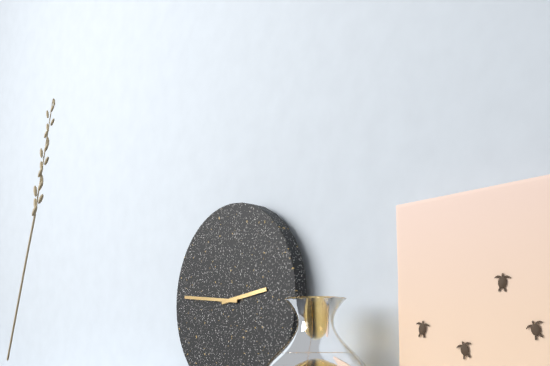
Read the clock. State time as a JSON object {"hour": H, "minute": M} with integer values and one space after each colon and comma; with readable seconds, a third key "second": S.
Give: {"hour": 2, "minute": 46}
